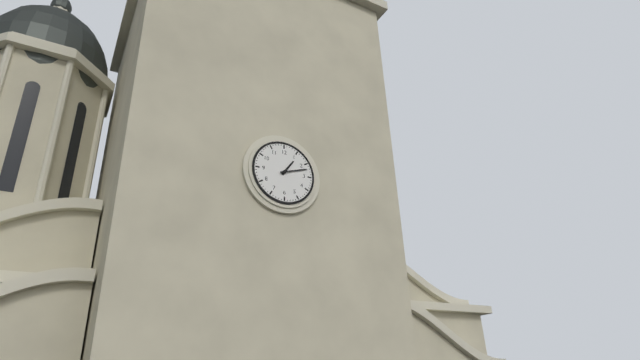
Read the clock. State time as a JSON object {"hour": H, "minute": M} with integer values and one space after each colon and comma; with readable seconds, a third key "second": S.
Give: {"hour": 1, "minute": 12}
